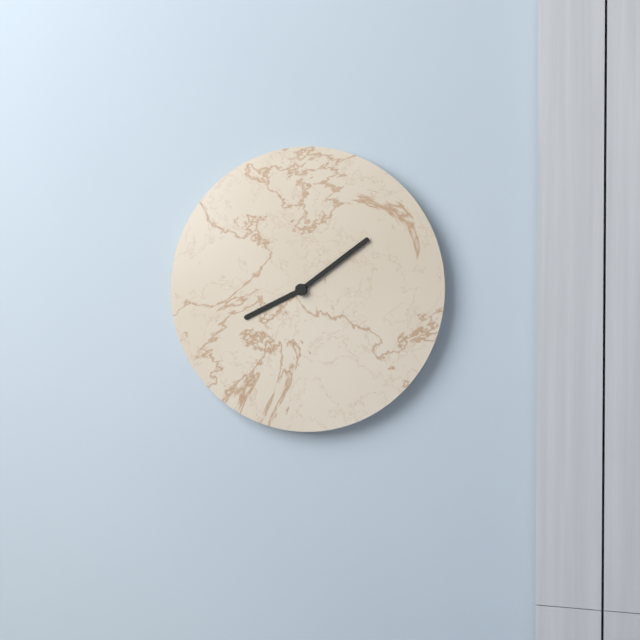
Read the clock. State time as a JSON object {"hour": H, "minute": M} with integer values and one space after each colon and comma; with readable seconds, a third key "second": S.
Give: {"hour": 8, "minute": 9}
